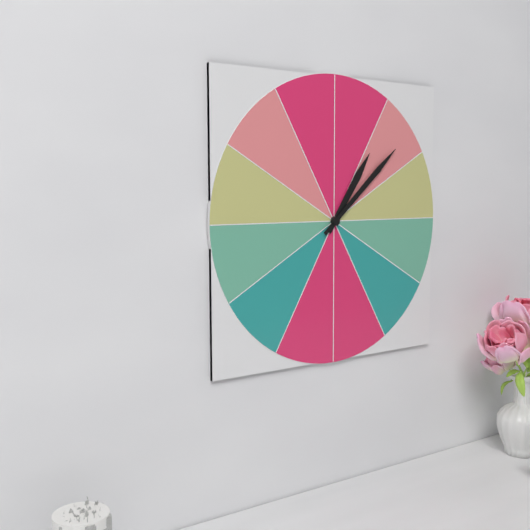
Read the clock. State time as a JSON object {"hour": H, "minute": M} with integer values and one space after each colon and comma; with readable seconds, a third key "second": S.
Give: {"hour": 1, "minute": 8}
